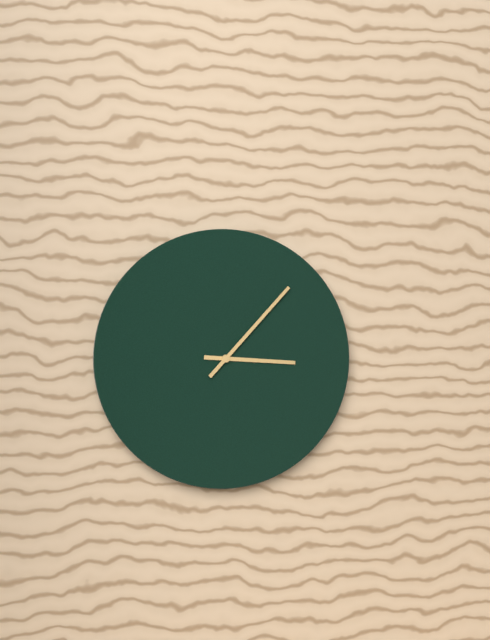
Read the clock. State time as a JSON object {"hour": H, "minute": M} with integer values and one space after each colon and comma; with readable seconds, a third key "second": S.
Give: {"hour": 3, "minute": 7}
